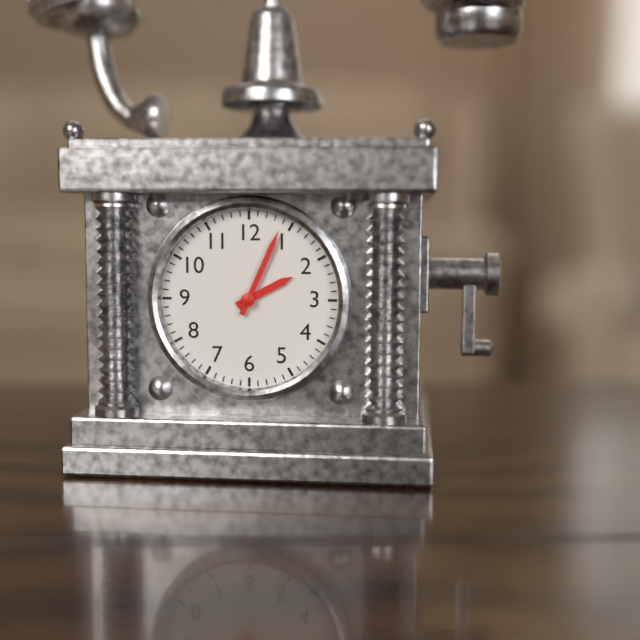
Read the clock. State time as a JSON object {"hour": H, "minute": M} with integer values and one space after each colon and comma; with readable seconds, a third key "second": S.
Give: {"hour": 2, "minute": 4}
